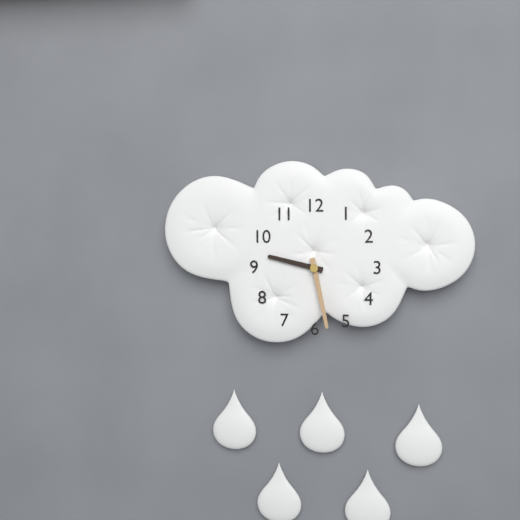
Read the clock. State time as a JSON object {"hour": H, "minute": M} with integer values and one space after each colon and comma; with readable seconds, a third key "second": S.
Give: {"hour": 9, "minute": 28}
